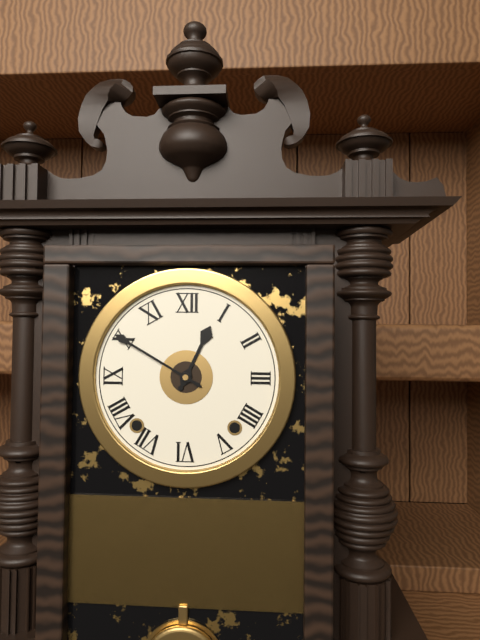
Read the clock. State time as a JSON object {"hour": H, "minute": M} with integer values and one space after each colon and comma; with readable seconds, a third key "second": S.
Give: {"hour": 12, "minute": 50}
